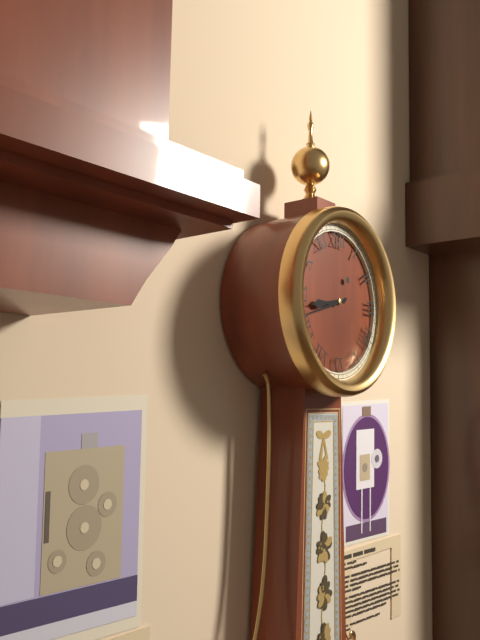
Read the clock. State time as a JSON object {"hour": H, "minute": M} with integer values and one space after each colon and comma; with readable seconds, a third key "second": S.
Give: {"hour": 8, "minute": 42}
